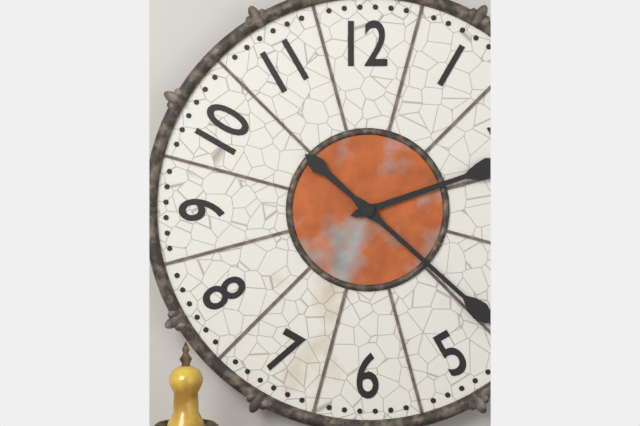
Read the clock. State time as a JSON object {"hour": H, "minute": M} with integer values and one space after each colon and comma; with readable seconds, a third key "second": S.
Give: {"hour": 2, "minute": 22}
